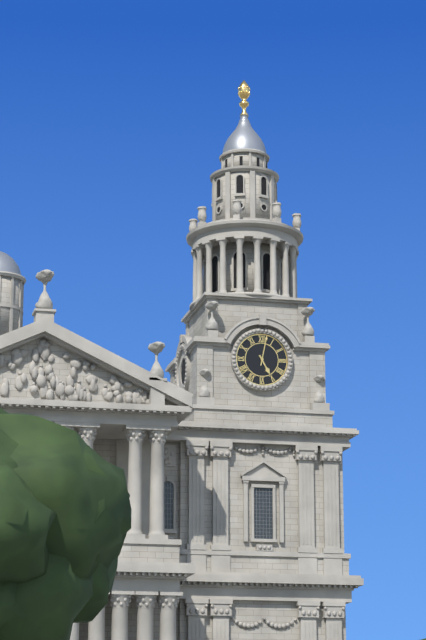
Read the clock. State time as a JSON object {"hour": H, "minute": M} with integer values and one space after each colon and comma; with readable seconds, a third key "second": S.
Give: {"hour": 5, "minute": 2}
